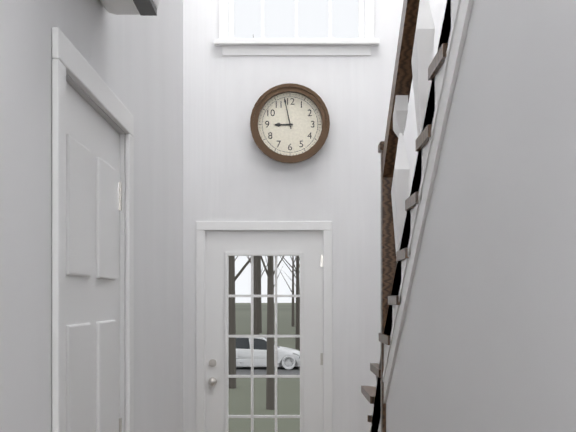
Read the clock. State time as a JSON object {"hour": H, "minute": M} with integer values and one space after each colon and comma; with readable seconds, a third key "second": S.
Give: {"hour": 8, "minute": 58}
